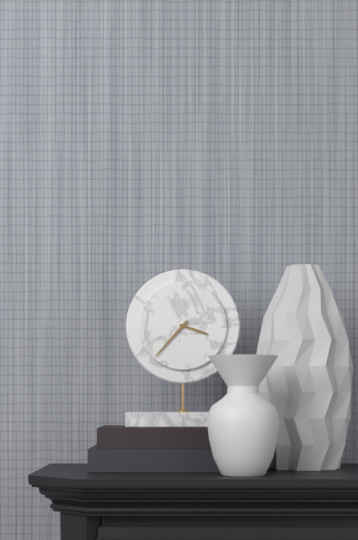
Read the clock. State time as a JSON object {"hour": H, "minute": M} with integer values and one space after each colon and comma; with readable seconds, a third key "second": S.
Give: {"hour": 3, "minute": 37}
